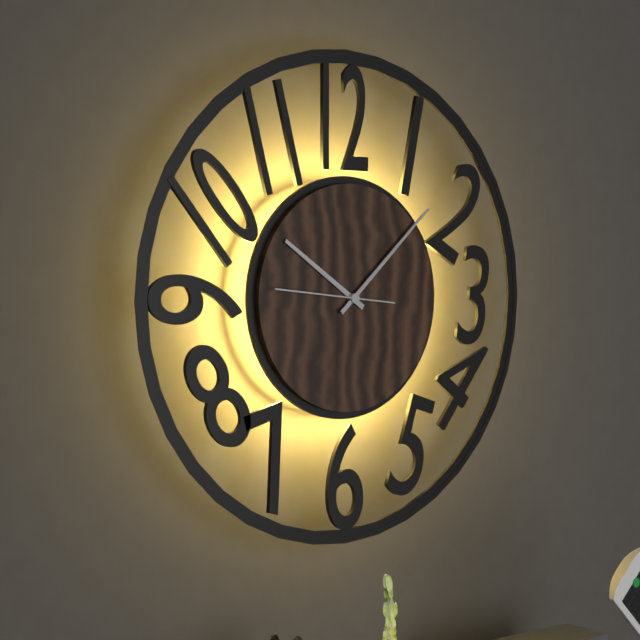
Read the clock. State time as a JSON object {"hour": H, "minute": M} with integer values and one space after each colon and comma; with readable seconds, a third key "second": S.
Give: {"hour": 10, "minute": 8, "second": 46}
